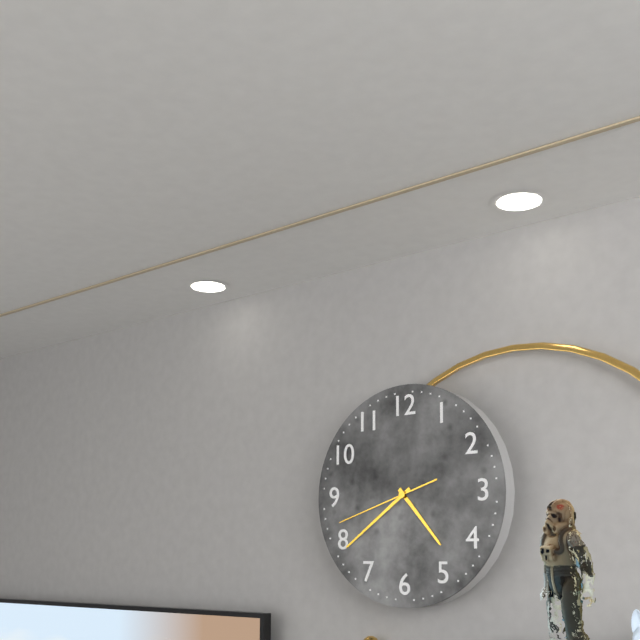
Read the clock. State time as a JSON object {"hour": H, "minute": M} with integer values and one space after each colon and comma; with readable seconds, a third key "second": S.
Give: {"hour": 4, "minute": 39, "second": 42}
